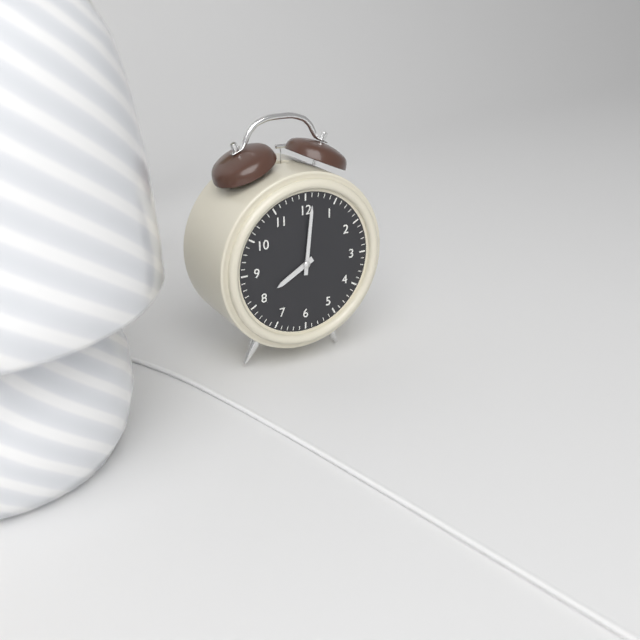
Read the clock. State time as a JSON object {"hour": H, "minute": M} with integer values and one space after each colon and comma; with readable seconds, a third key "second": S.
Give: {"hour": 8, "minute": 1}
